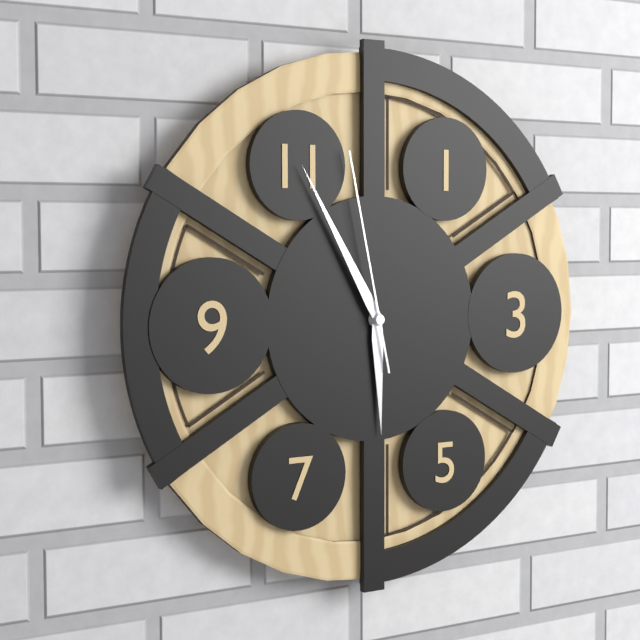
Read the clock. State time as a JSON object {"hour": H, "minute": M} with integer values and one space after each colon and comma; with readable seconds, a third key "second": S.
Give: {"hour": 5, "minute": 55, "second": 58}
